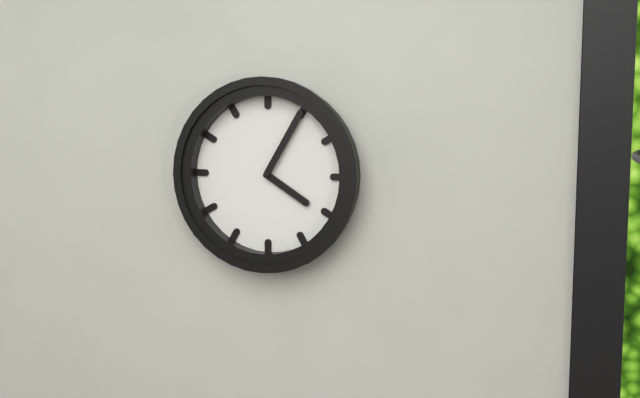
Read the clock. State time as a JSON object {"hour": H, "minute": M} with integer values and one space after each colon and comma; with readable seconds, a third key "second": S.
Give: {"hour": 4, "minute": 5}
